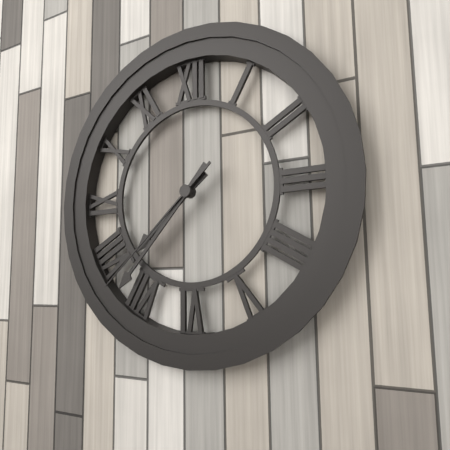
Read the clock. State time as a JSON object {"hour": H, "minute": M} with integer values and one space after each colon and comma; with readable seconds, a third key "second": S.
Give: {"hour": 7, "minute": 37, "second": 38}
